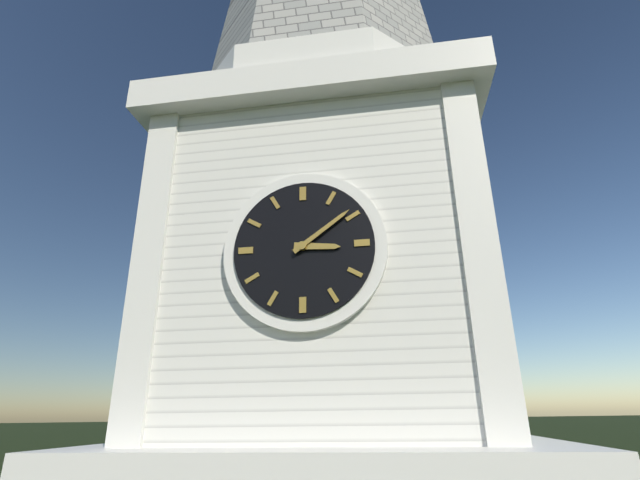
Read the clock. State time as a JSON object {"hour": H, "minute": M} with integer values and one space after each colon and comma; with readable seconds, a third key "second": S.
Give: {"hour": 3, "minute": 9}
